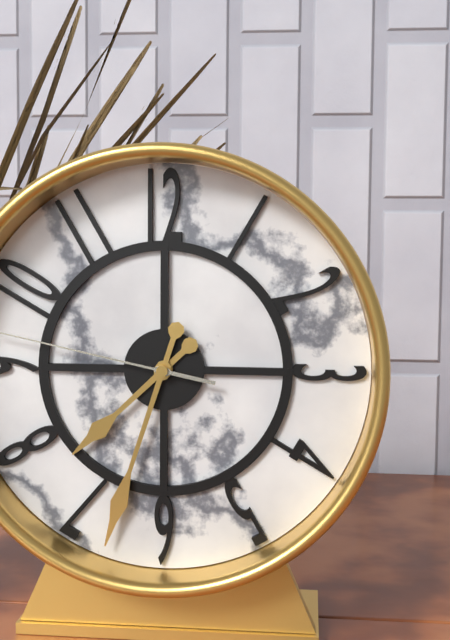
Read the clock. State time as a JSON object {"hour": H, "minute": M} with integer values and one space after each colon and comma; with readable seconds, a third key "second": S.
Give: {"hour": 7, "minute": 33}
